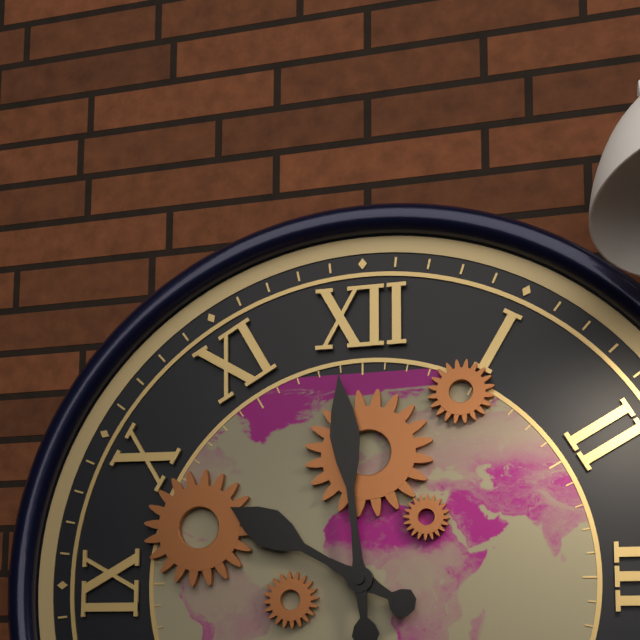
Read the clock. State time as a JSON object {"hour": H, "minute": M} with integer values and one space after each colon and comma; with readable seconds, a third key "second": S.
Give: {"hour": 9, "minute": 59}
